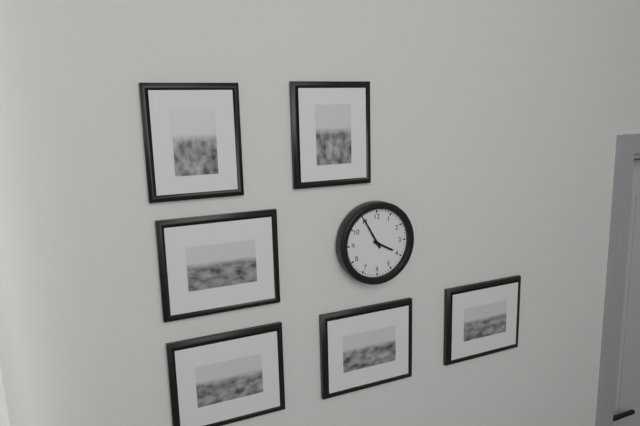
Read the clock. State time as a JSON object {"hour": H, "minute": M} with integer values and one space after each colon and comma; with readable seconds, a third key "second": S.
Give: {"hour": 3, "minute": 55}
